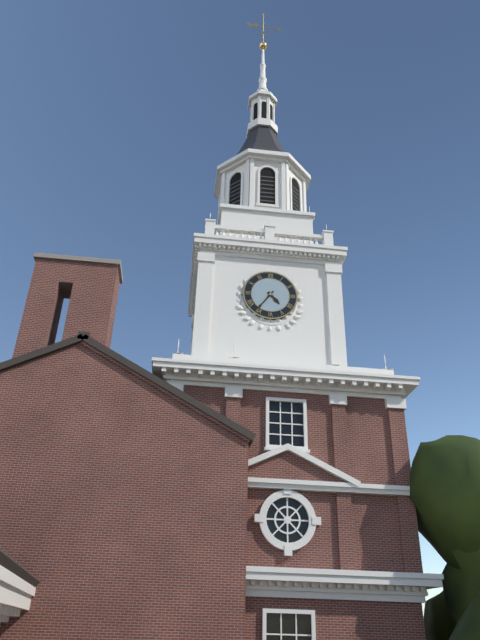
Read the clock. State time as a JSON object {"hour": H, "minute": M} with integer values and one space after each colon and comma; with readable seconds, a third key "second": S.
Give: {"hour": 4, "minute": 36}
